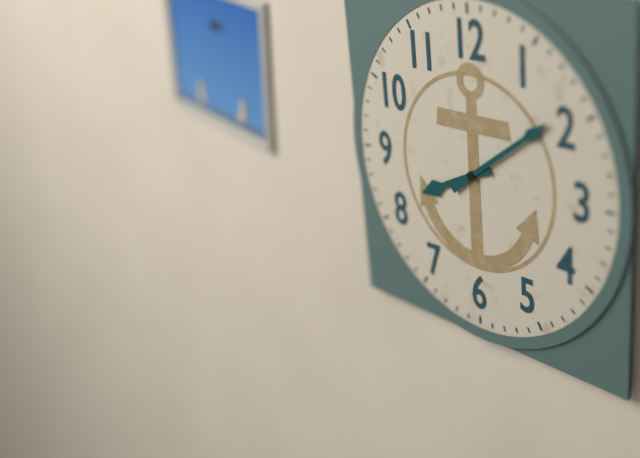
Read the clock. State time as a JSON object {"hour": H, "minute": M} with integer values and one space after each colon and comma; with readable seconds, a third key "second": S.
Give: {"hour": 8, "minute": 9}
